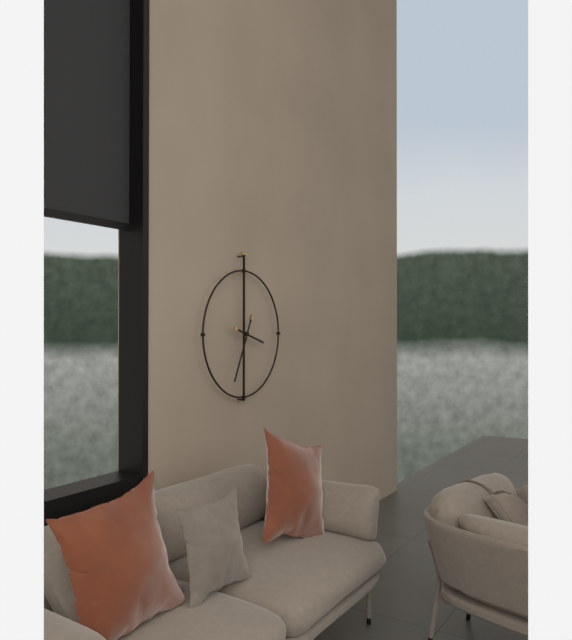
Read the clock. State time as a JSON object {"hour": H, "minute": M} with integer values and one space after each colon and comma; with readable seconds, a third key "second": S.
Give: {"hour": 3, "minute": 34}
